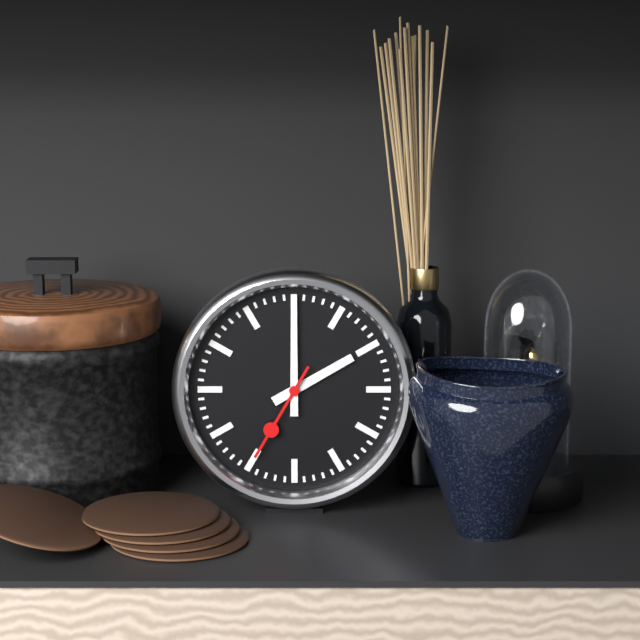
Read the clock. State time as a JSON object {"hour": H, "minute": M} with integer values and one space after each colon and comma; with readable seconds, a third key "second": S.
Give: {"hour": 2, "minute": 0, "second": 35}
